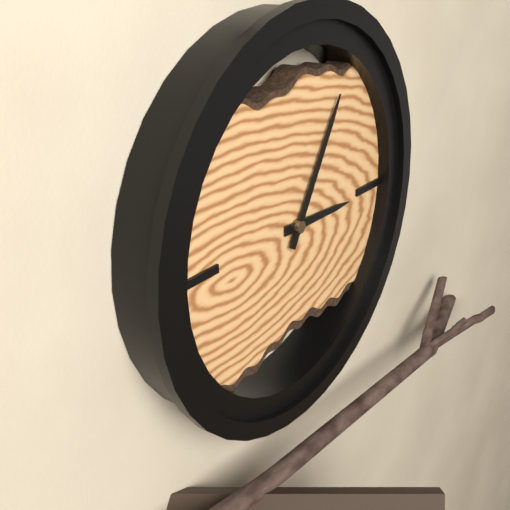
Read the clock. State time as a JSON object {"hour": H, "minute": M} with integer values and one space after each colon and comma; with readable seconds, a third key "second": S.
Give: {"hour": 3, "minute": 5}
